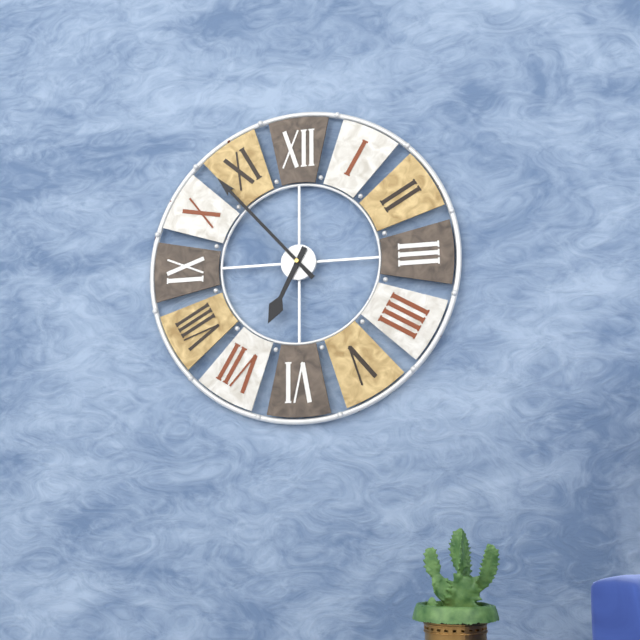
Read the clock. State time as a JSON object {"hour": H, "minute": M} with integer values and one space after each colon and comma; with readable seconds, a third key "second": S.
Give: {"hour": 6, "minute": 53}
